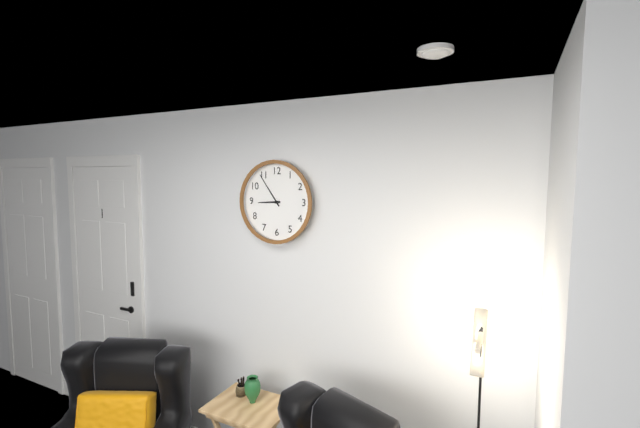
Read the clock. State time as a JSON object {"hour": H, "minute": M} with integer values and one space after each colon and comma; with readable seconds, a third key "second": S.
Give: {"hour": 8, "minute": 54}
